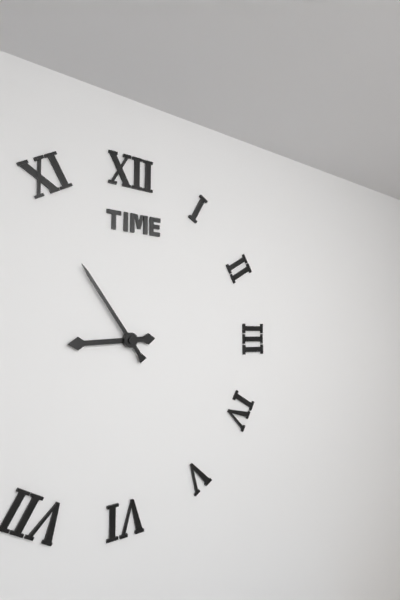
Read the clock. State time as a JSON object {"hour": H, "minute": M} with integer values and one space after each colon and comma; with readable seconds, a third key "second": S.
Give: {"hour": 8, "minute": 54}
